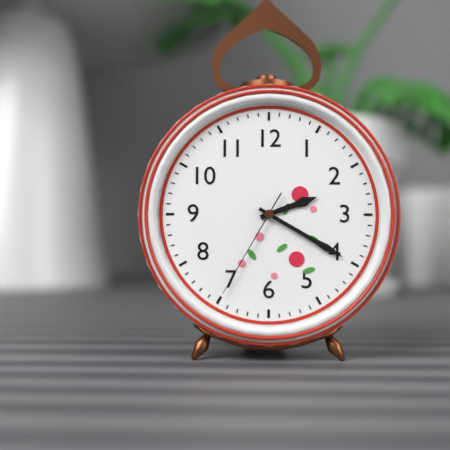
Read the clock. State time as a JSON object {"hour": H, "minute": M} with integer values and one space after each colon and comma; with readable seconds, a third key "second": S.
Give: {"hour": 2, "minute": 20, "second": 35}
